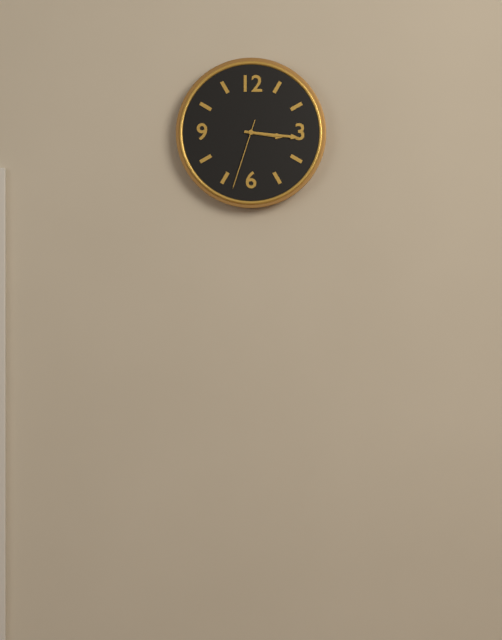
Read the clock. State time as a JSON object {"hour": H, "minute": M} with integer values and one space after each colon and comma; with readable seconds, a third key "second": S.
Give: {"hour": 3, "minute": 16, "second": 33}
